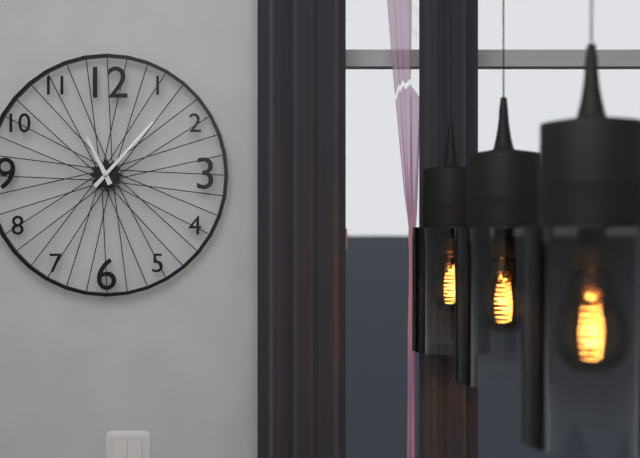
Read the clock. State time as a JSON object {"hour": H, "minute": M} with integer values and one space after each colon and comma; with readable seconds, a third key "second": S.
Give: {"hour": 11, "minute": 7}
